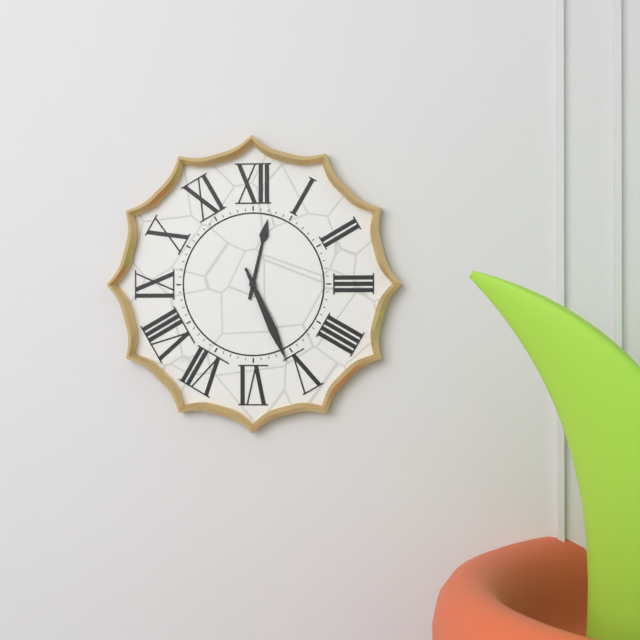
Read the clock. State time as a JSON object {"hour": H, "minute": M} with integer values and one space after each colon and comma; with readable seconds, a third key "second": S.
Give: {"hour": 12, "minute": 26}
